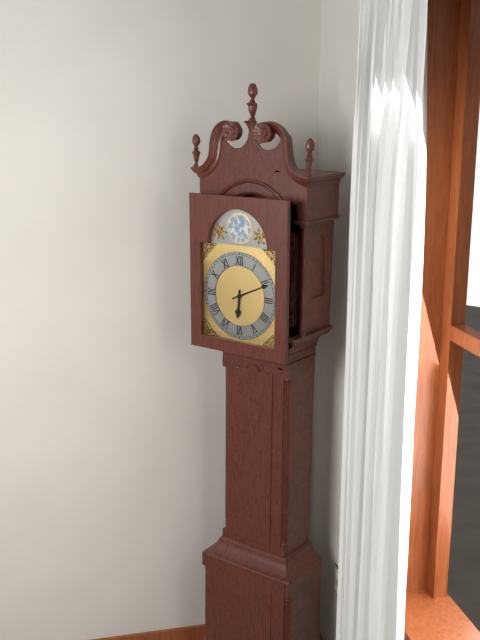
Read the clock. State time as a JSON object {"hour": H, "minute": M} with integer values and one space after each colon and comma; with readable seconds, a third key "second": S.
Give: {"hour": 6, "minute": 11}
